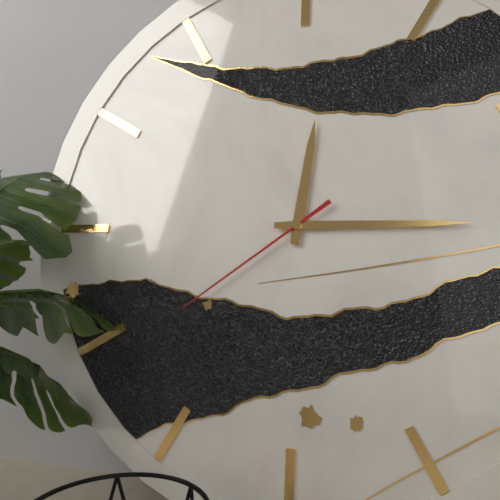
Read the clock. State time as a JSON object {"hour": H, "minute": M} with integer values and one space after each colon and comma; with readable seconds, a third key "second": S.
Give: {"hour": 12, "minute": 15, "second": 39}
